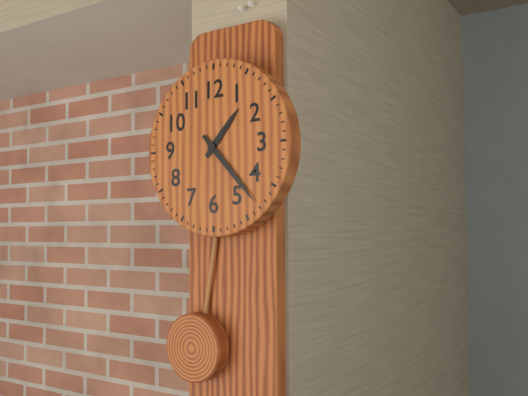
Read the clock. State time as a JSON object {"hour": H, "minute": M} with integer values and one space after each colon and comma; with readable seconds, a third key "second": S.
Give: {"hour": 1, "minute": 23}
